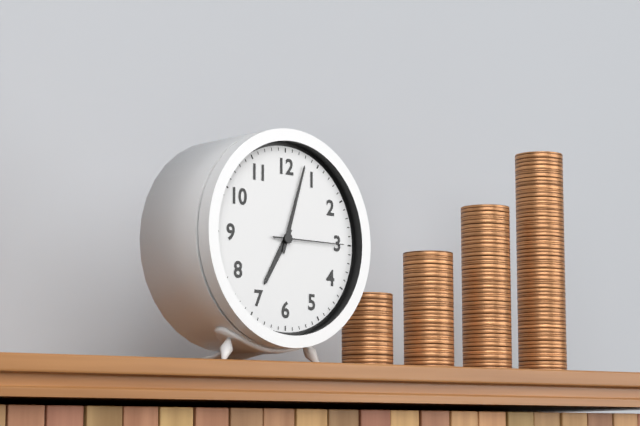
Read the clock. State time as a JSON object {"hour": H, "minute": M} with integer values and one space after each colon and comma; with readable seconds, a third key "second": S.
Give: {"hour": 7, "minute": 3, "second": 15}
